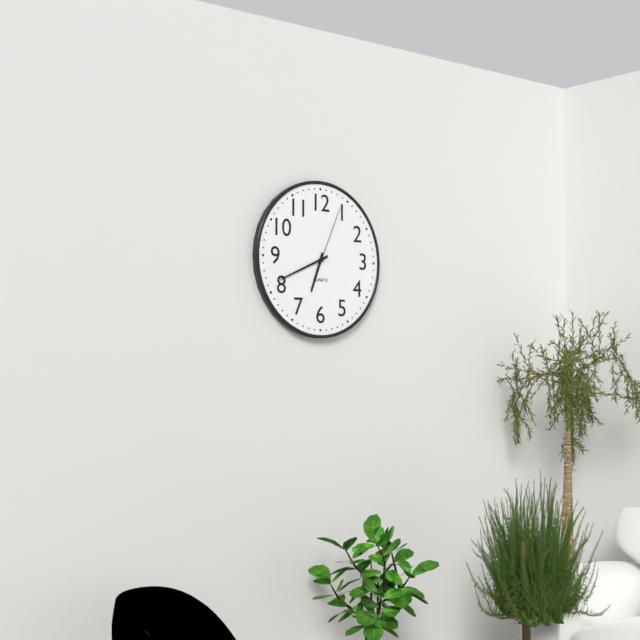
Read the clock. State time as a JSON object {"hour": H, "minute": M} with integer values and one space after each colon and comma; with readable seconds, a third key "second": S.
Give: {"hour": 6, "minute": 41, "second": 4}
